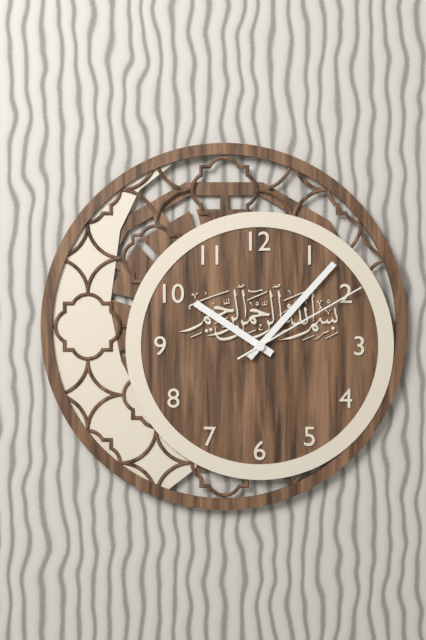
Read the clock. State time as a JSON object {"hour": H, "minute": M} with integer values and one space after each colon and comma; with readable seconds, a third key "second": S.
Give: {"hour": 10, "minute": 7, "second": 10}
